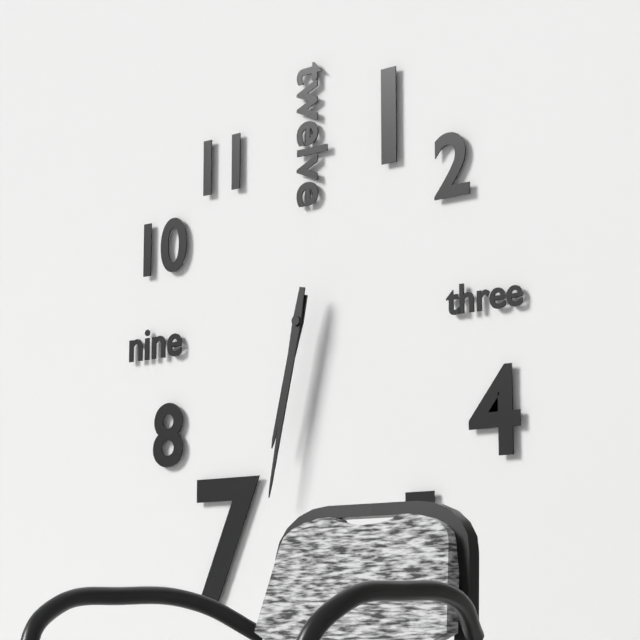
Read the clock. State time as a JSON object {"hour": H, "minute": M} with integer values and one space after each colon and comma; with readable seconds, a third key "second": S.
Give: {"hour": 6, "minute": 32}
